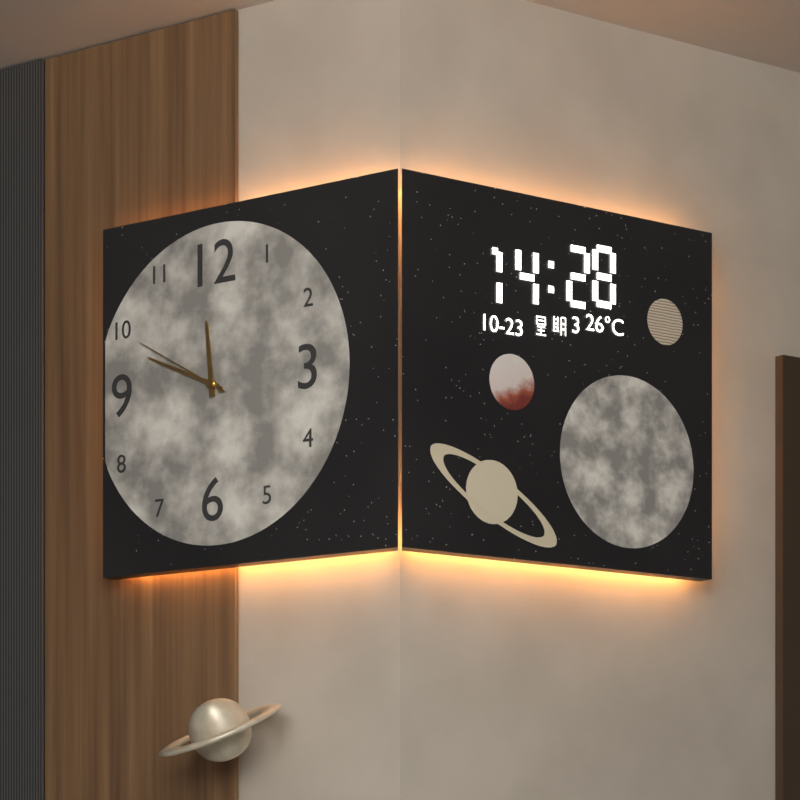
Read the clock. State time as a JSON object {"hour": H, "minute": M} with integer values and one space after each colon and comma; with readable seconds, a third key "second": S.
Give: {"hour": 11, "minute": 49, "second": 50}
